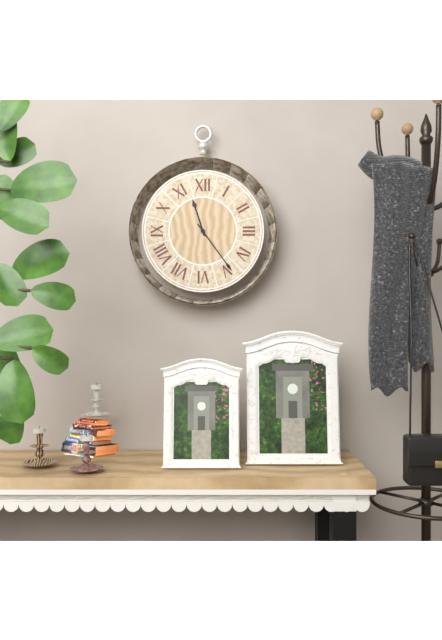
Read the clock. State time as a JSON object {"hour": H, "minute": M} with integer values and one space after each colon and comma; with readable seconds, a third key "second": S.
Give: {"hour": 11, "minute": 24}
